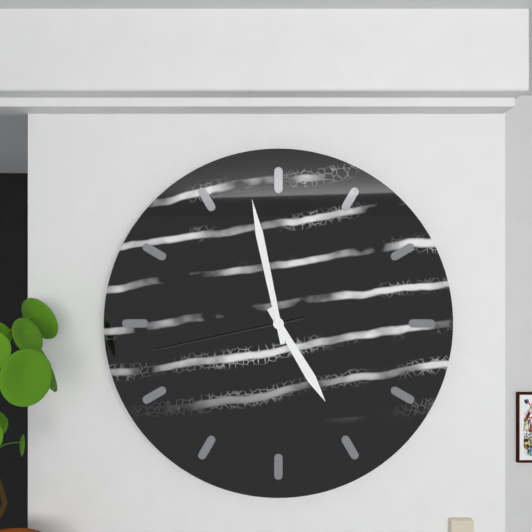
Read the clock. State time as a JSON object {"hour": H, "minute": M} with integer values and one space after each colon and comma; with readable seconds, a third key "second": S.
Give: {"hour": 4, "minute": 58, "second": 43}
